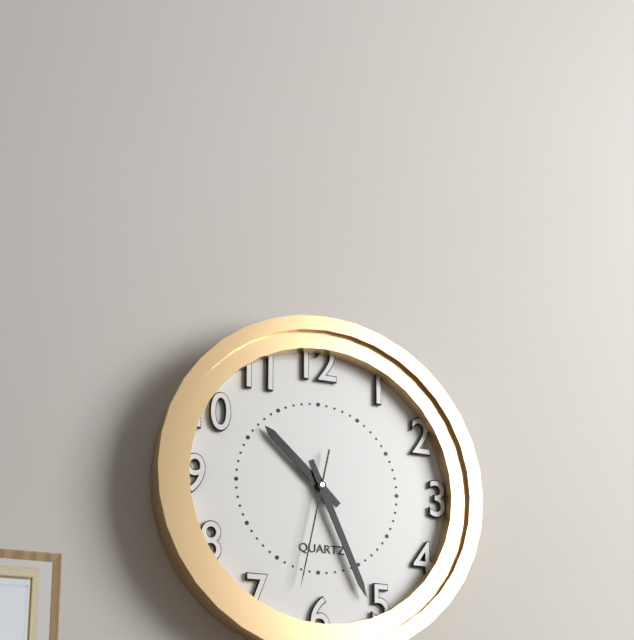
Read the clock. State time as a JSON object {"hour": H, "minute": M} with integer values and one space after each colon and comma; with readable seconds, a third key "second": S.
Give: {"hour": 10, "minute": 26, "second": 32}
